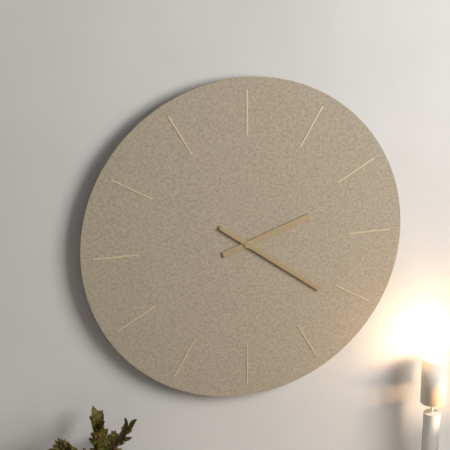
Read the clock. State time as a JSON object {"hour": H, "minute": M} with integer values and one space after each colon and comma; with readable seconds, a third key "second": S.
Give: {"hour": 2, "minute": 21}
